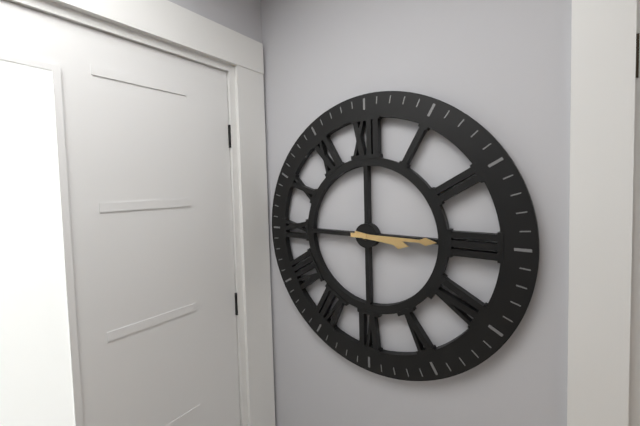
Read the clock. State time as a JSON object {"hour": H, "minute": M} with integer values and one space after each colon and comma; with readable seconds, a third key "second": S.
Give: {"hour": 3, "minute": 15}
